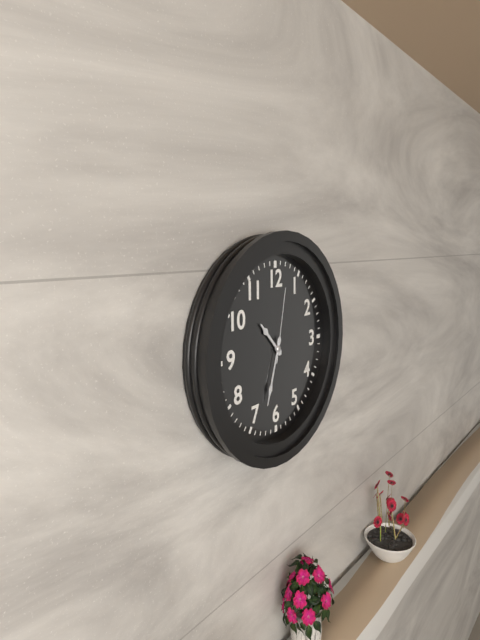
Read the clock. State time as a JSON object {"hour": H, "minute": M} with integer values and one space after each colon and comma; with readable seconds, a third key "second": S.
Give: {"hour": 10, "minute": 33, "second": 2}
